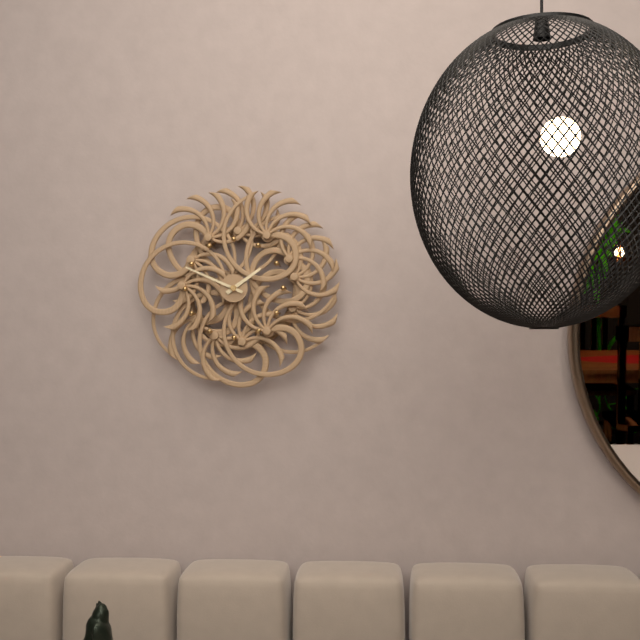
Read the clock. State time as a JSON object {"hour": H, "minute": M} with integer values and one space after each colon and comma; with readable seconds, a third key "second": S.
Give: {"hour": 1, "minute": 49}
